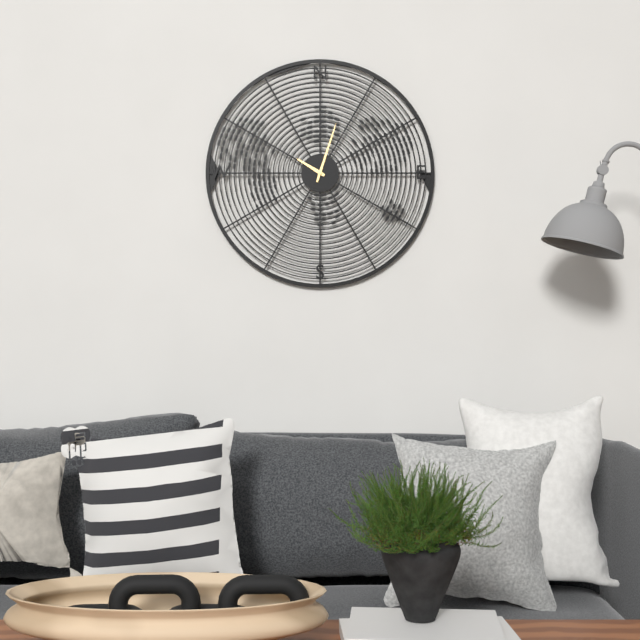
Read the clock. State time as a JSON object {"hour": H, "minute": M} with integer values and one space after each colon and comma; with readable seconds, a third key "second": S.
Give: {"hour": 10, "minute": 3}
